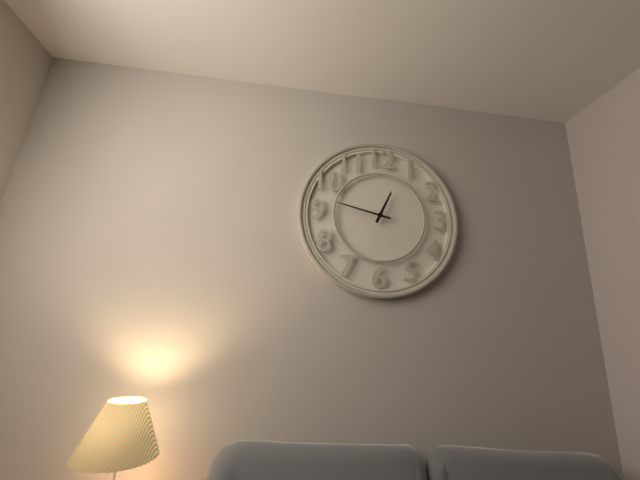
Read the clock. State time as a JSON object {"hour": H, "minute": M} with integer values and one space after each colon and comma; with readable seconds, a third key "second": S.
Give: {"hour": 12, "minute": 47}
